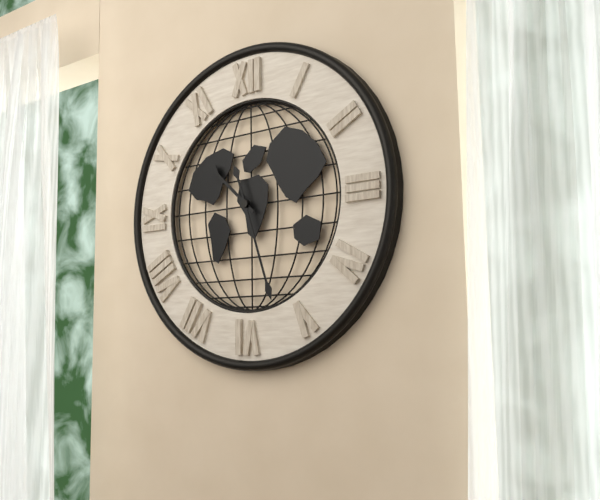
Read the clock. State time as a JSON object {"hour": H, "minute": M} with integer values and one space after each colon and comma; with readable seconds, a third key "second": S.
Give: {"hour": 10, "minute": 27}
